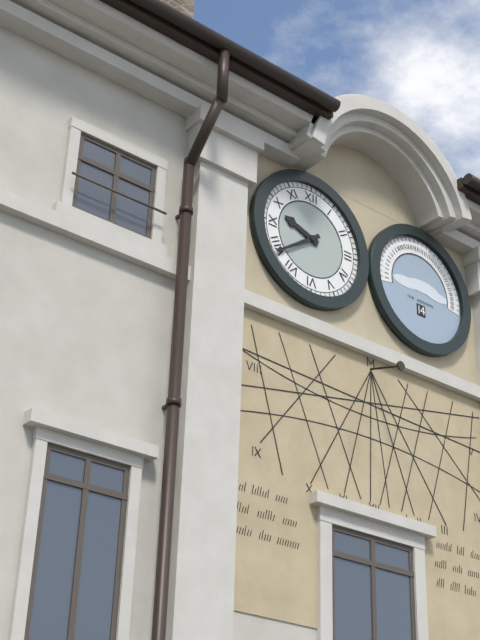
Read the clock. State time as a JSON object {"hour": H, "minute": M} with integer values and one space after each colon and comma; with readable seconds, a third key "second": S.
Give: {"hour": 9, "minute": 39}
